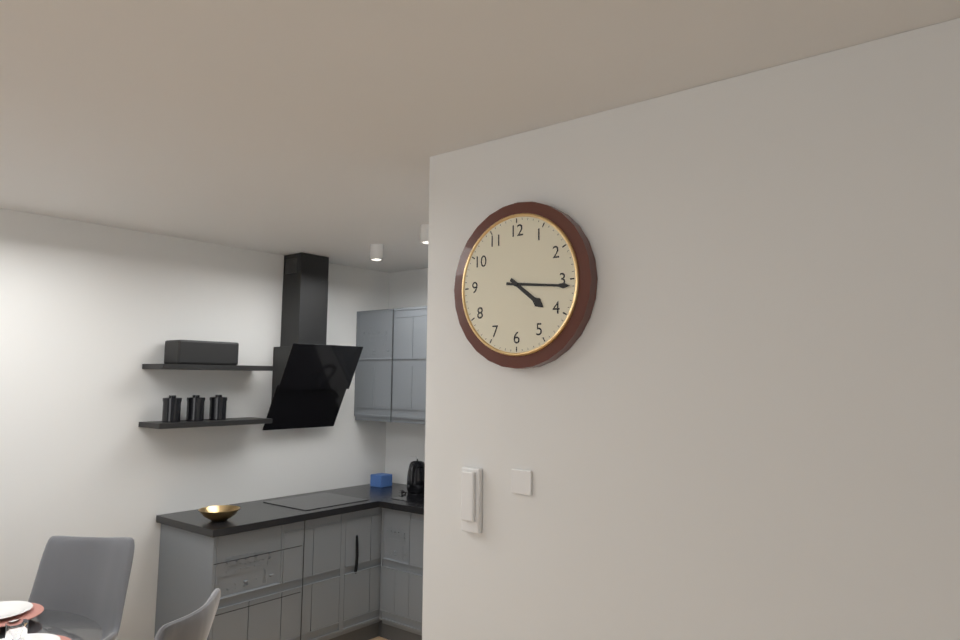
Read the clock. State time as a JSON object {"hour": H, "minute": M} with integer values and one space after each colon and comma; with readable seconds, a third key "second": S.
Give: {"hour": 4, "minute": 16}
